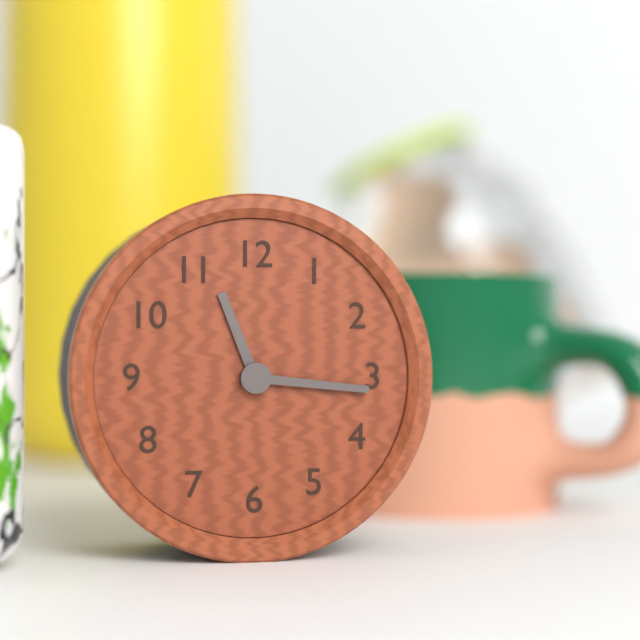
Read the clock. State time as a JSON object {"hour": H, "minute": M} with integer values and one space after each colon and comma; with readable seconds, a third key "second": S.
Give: {"hour": 11, "minute": 16}
